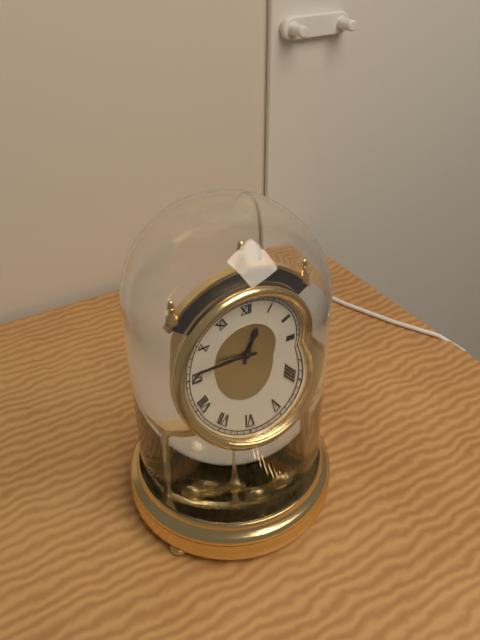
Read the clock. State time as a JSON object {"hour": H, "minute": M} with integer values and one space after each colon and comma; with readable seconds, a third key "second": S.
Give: {"hour": 12, "minute": 46}
